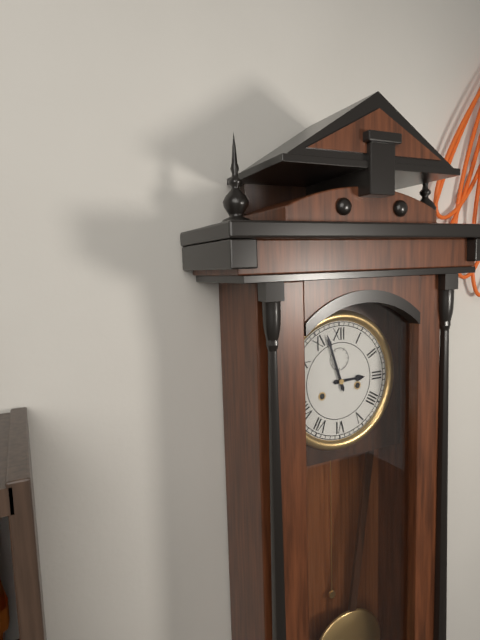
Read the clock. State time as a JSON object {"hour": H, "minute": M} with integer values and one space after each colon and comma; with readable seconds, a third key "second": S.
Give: {"hour": 2, "minute": 57}
